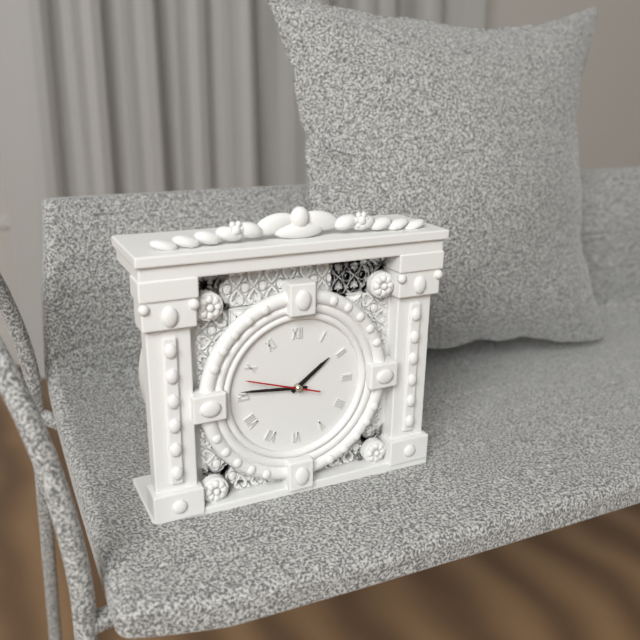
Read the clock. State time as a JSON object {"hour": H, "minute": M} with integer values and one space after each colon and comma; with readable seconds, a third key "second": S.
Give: {"hour": 1, "minute": 46, "second": 48}
